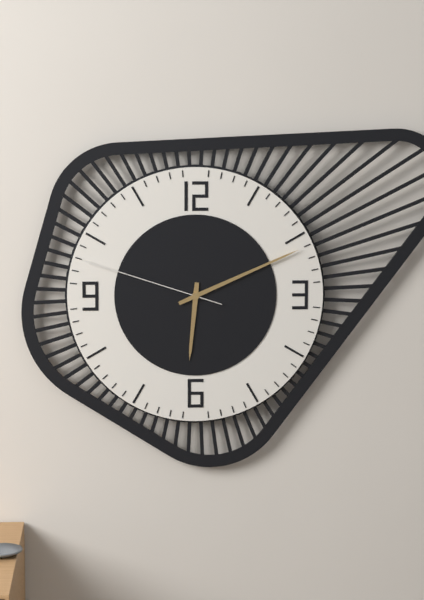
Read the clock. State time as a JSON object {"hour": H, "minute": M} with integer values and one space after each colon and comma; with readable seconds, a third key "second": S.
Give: {"hour": 6, "minute": 11, "second": 48}
